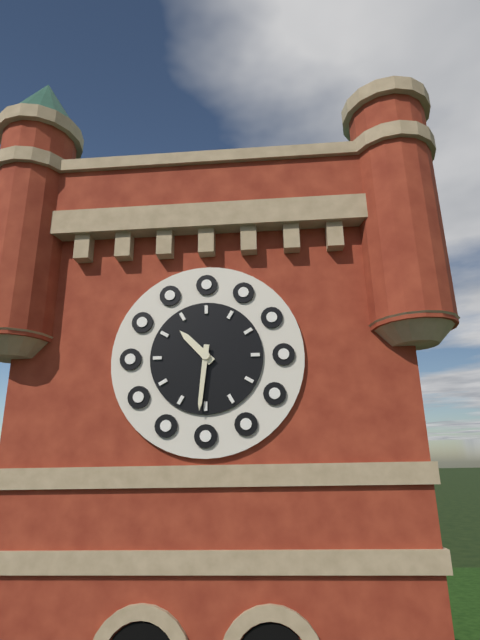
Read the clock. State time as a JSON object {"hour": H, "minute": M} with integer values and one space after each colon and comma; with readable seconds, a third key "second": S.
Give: {"hour": 10, "minute": 31}
